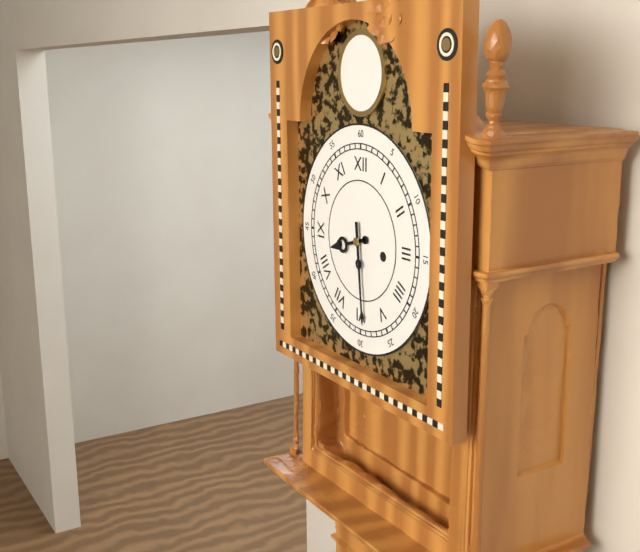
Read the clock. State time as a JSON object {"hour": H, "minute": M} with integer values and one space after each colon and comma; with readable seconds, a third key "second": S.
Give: {"hour": 8, "minute": 29}
